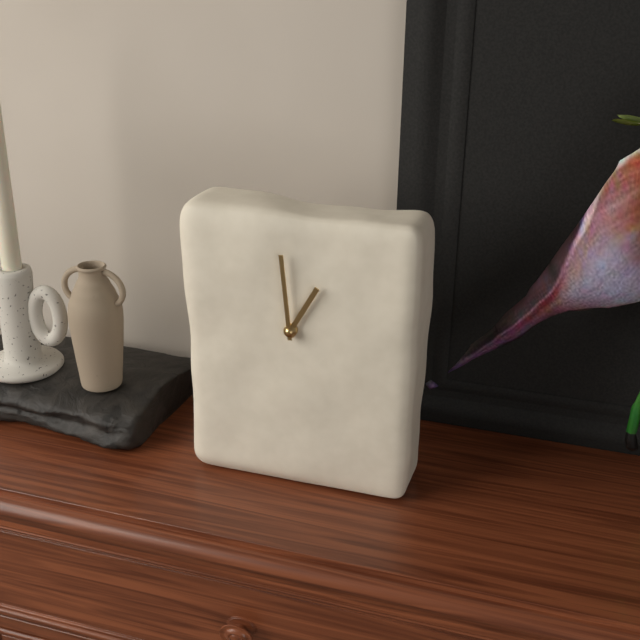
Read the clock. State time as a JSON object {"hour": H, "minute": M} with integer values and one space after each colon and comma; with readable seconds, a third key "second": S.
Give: {"hour": 12, "minute": 59}
